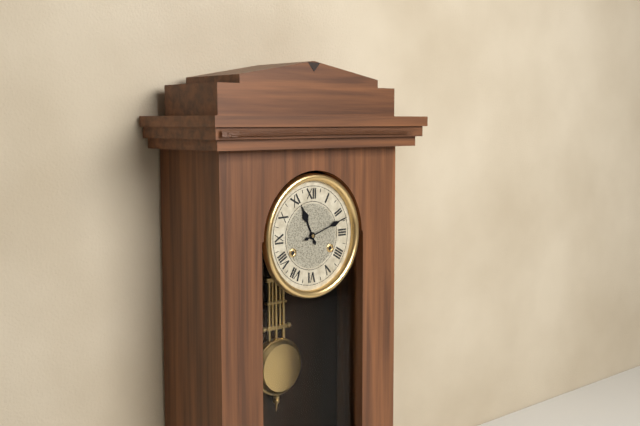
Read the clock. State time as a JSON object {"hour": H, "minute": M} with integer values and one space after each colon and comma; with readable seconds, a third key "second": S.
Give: {"hour": 11, "minute": 12}
